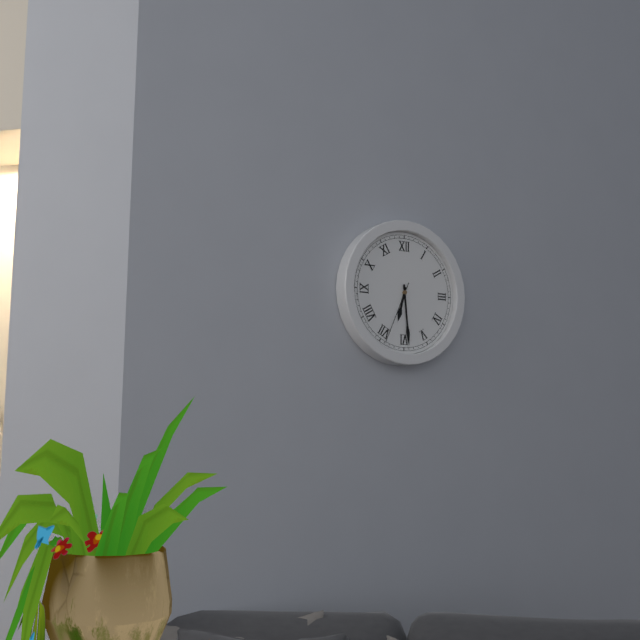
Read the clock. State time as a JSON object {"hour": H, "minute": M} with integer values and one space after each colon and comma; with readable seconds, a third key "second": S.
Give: {"hour": 6, "minute": 29, "second": 34}
